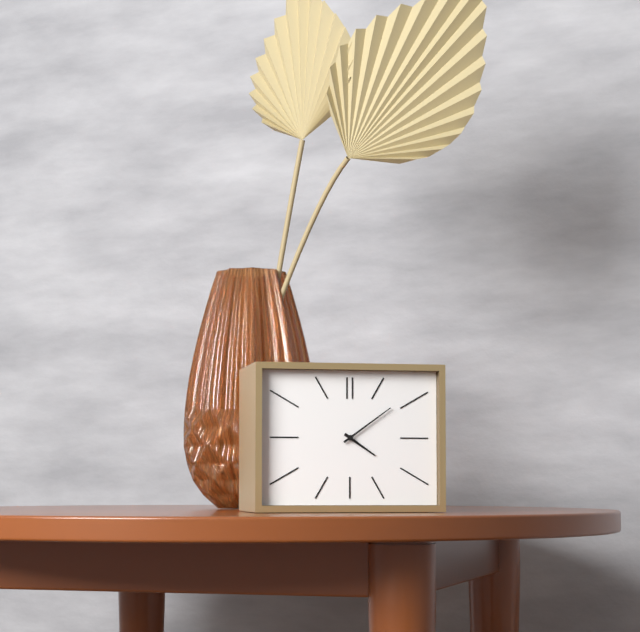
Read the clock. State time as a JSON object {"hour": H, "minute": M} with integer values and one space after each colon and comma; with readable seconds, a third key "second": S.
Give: {"hour": 4, "minute": 9}
